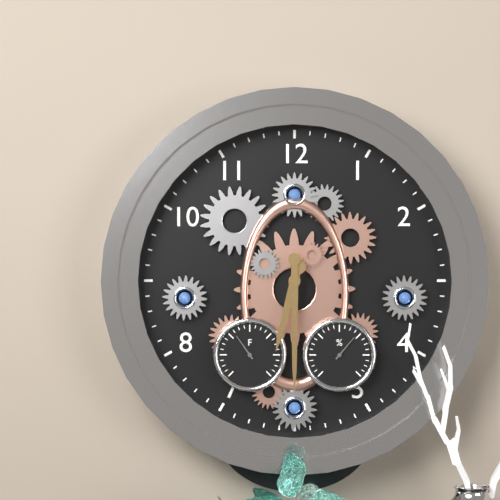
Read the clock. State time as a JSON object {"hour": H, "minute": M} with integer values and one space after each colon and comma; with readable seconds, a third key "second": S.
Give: {"hour": 6, "minute": 30}
